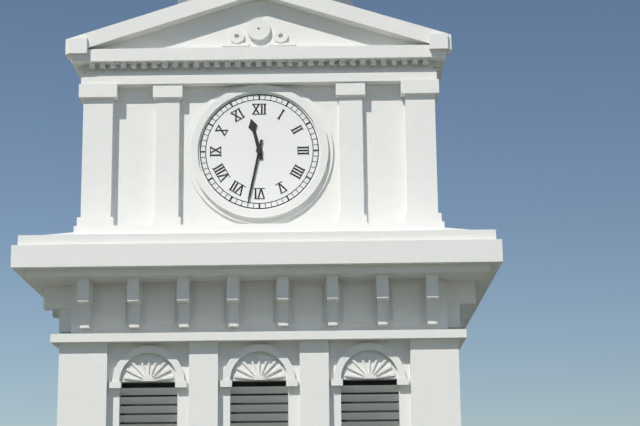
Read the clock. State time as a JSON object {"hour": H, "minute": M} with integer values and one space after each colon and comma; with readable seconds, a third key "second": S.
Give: {"hour": 11, "minute": 32}
